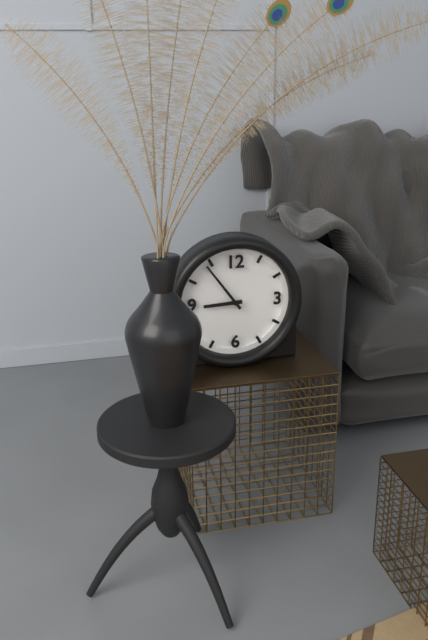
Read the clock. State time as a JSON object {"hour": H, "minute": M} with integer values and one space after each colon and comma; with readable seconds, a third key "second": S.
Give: {"hour": 8, "minute": 54}
